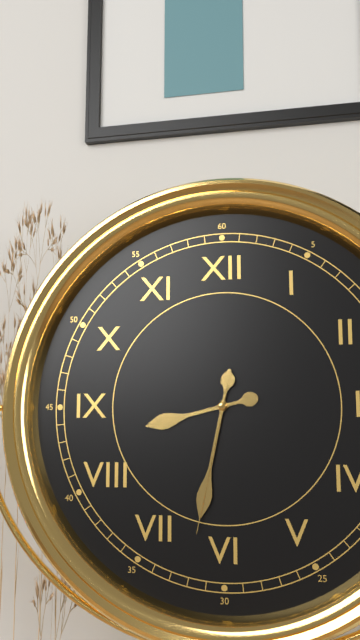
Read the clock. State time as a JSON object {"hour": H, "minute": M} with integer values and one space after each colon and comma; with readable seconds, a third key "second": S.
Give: {"hour": 8, "minute": 32, "second": 32}
